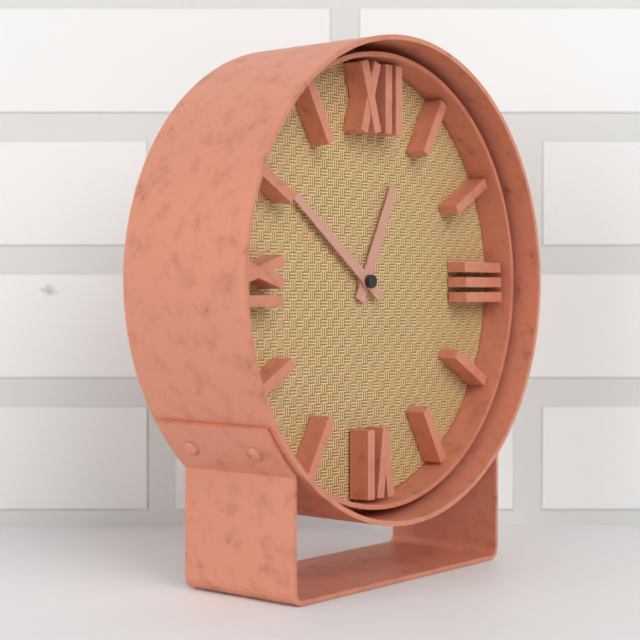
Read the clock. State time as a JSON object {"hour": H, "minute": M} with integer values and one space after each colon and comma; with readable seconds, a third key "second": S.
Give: {"hour": 12, "minute": 51}
